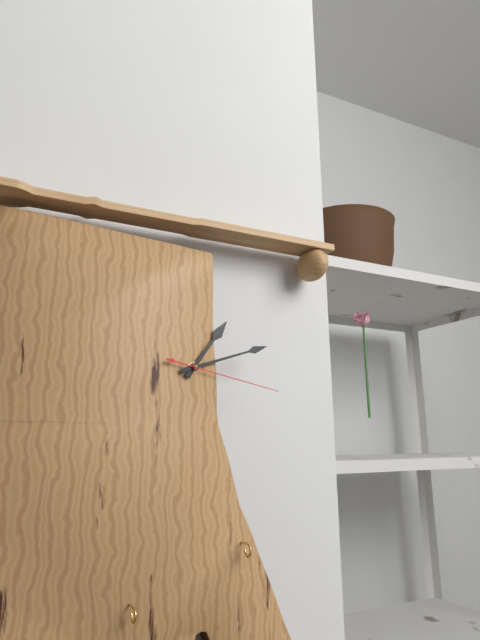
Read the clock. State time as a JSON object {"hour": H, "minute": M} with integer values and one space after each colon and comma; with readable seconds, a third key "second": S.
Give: {"hour": 1, "minute": 12, "second": 17}
